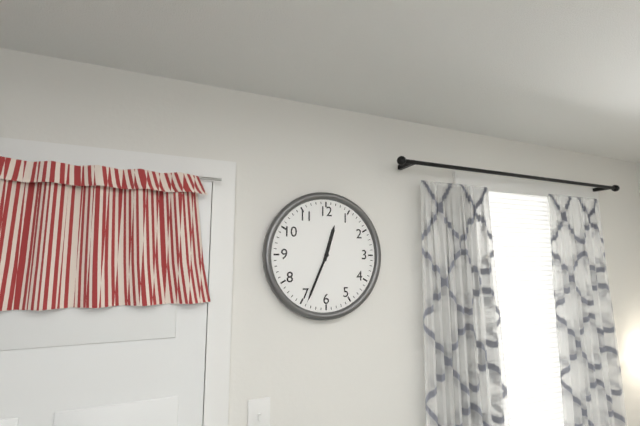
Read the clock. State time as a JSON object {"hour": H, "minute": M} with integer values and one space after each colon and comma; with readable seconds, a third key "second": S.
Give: {"hour": 12, "minute": 34}
